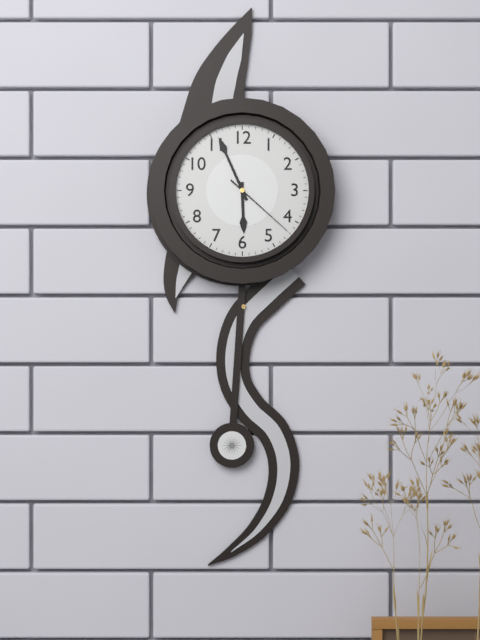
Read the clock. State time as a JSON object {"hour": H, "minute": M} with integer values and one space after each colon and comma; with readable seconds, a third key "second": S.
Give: {"hour": 5, "minute": 56, "second": 22}
